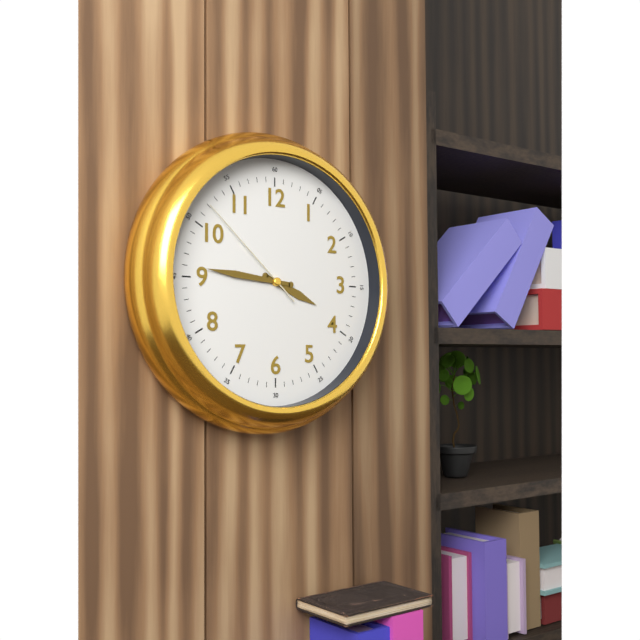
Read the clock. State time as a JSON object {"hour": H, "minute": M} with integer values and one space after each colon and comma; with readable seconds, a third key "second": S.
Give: {"hour": 3, "minute": 46, "second": 52}
